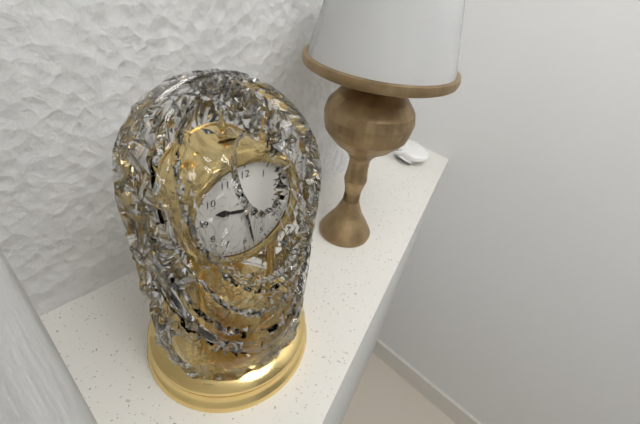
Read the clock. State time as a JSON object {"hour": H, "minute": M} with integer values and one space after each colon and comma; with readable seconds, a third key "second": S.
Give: {"hour": 9, "minute": 28}
